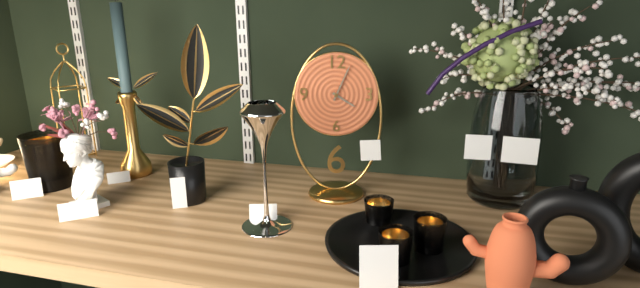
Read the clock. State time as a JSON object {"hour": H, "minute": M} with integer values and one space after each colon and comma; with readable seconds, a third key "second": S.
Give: {"hour": 4, "minute": 4}
